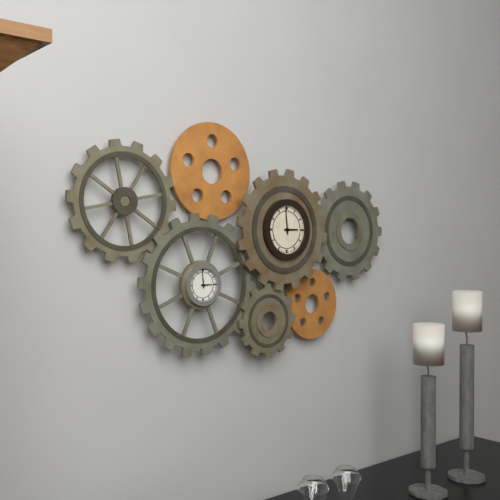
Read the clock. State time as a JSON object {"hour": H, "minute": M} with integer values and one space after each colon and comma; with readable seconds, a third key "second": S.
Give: {"hour": 2, "minute": 59}
